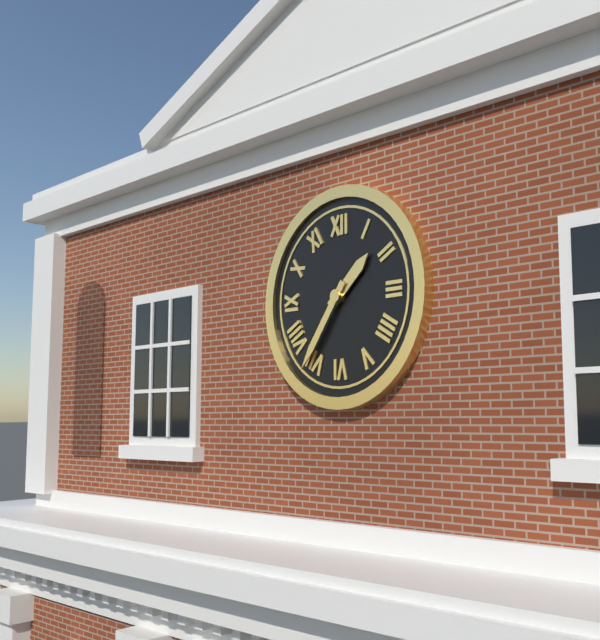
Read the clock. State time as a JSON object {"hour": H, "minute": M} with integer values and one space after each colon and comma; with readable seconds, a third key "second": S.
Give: {"hour": 1, "minute": 36}
